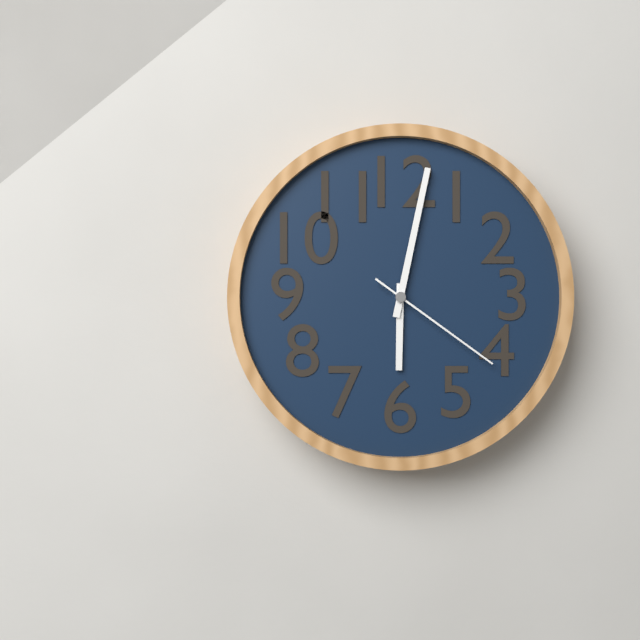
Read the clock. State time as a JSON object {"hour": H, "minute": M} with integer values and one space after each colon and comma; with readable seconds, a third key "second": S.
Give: {"hour": 6, "minute": 2, "second": 21}
